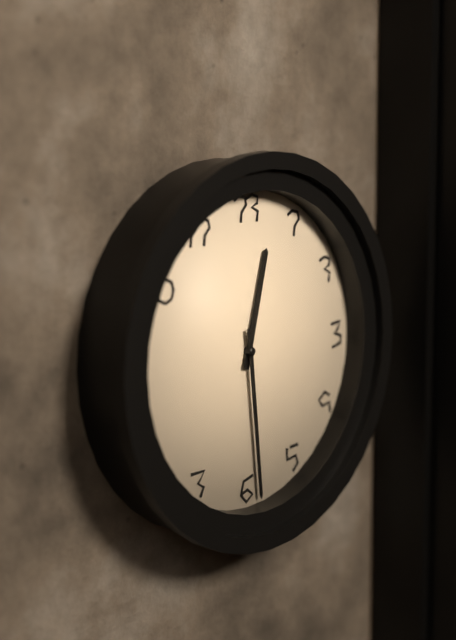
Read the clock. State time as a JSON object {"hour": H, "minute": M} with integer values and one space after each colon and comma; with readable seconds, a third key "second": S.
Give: {"hour": 12, "minute": 29}
